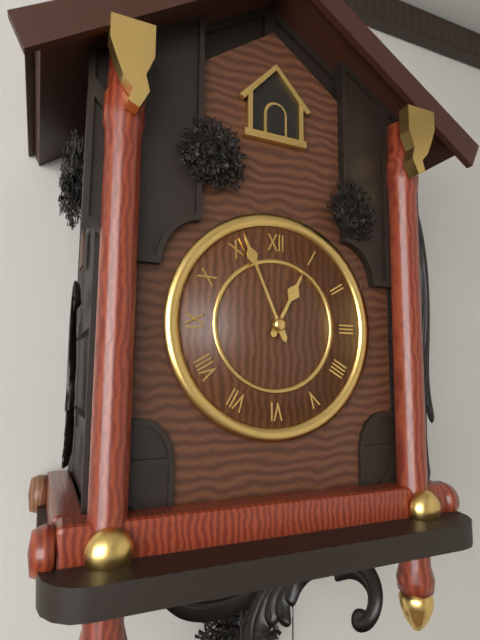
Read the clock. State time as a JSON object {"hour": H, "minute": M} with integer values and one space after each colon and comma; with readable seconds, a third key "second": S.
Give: {"hour": 12, "minute": 56}
